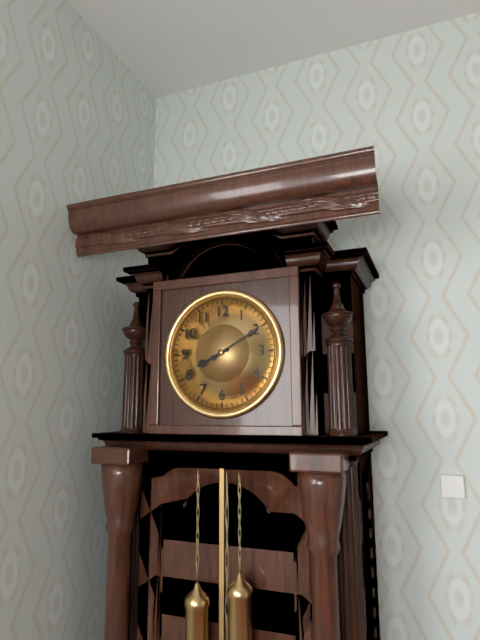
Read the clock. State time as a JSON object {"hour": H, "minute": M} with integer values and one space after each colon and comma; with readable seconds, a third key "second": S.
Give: {"hour": 8, "minute": 10}
